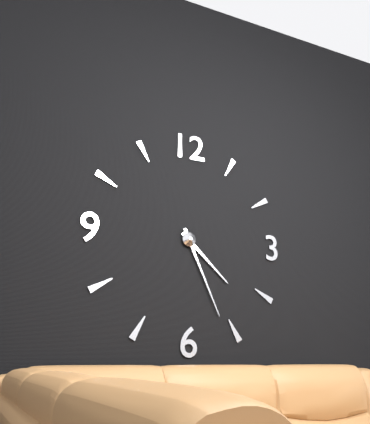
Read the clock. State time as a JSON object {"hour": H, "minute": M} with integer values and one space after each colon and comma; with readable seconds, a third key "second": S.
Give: {"hour": 4, "minute": 26}
